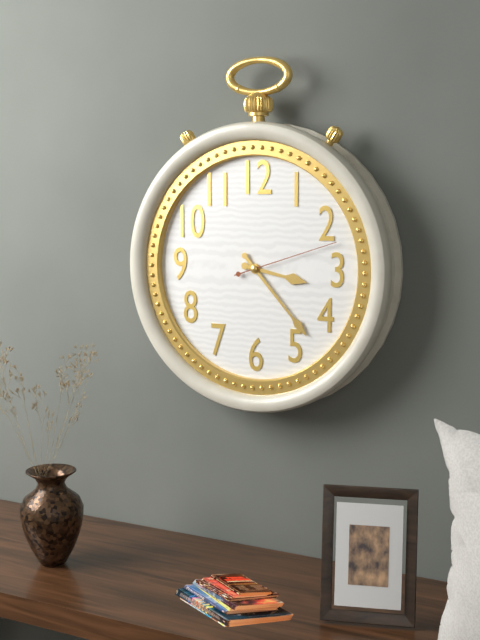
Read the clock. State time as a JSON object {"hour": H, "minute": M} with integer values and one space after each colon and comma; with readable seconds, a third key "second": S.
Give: {"hour": 3, "minute": 23, "second": 12}
